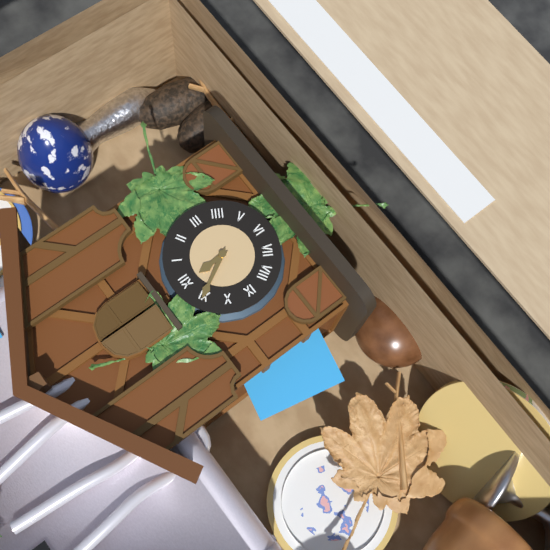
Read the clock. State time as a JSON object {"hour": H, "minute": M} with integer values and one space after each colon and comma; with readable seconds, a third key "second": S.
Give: {"hour": 11, "minute": 55}
